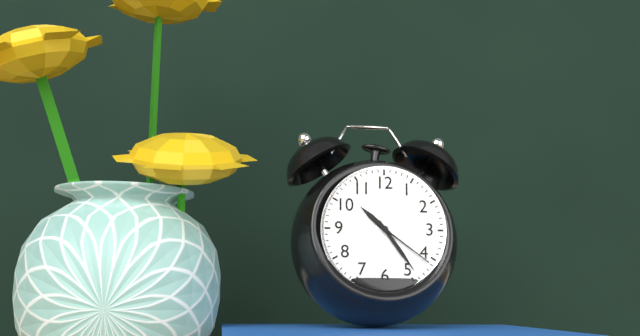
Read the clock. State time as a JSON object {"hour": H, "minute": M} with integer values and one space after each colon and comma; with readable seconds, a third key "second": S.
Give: {"hour": 10, "minute": 24, "second": 21}
